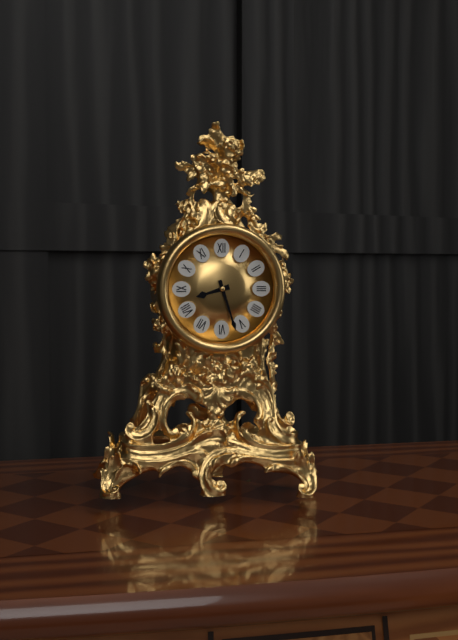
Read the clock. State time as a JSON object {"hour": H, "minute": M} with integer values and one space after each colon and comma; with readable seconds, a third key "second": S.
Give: {"hour": 8, "minute": 27}
